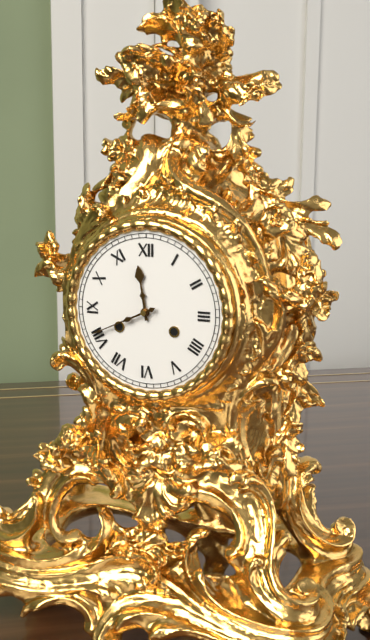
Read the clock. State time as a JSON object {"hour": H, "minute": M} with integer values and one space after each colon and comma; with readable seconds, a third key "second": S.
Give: {"hour": 11, "minute": 41}
